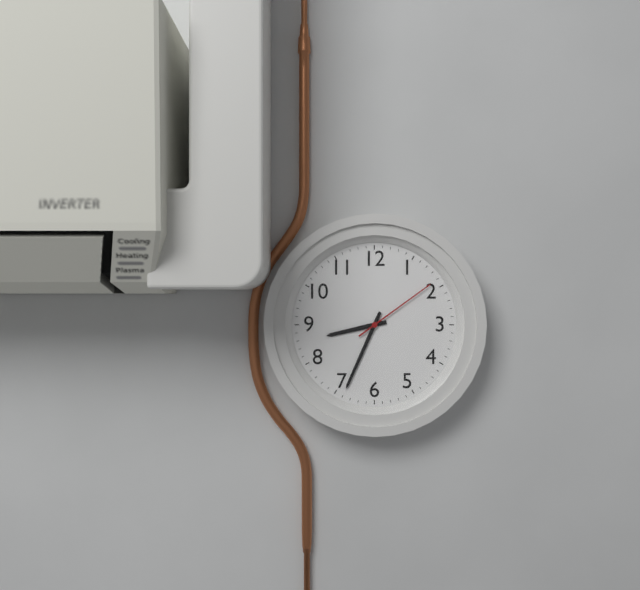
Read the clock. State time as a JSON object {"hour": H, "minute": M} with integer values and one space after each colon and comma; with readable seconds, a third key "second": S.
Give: {"hour": 8, "minute": 34, "second": 9}
